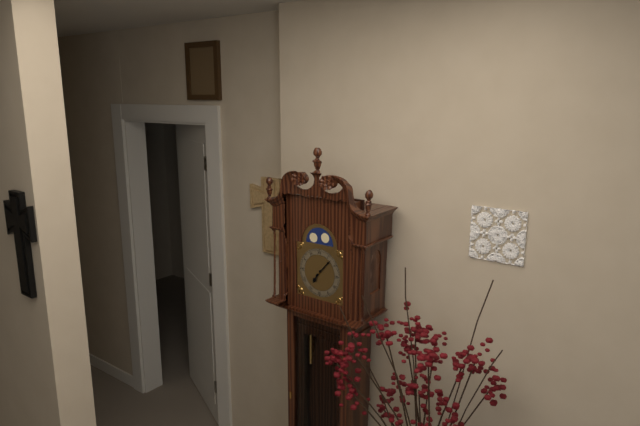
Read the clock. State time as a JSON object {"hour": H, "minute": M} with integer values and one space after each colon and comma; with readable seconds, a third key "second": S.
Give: {"hour": 7, "minute": 7}
